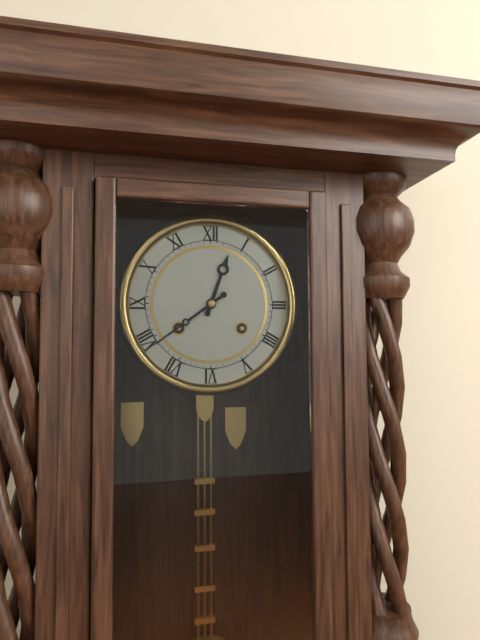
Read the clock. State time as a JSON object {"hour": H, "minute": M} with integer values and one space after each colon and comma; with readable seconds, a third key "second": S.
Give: {"hour": 12, "minute": 39}
